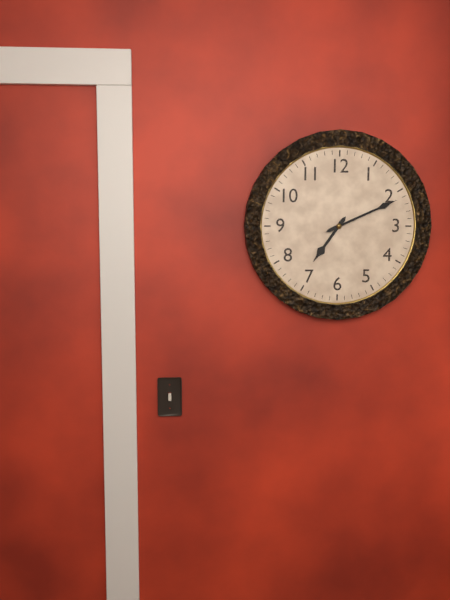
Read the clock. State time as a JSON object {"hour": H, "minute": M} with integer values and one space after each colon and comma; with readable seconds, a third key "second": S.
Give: {"hour": 7, "minute": 11}
